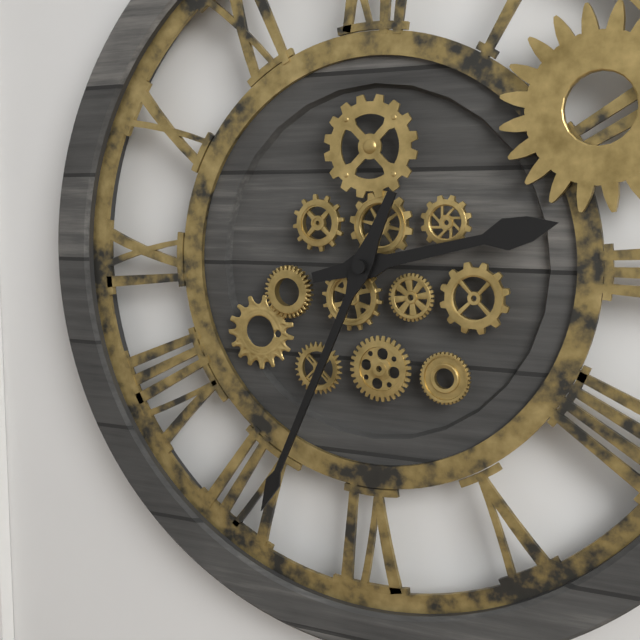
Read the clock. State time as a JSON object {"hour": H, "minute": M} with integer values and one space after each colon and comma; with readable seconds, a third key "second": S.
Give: {"hour": 2, "minute": 34}
